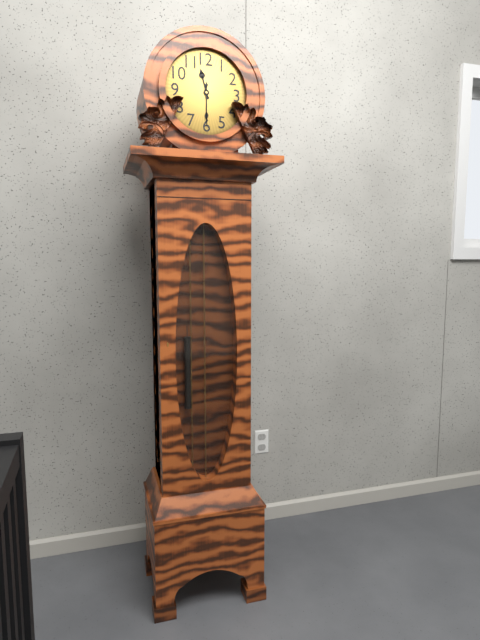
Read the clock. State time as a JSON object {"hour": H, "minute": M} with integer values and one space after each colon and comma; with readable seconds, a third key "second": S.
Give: {"hour": 11, "minute": 30}
